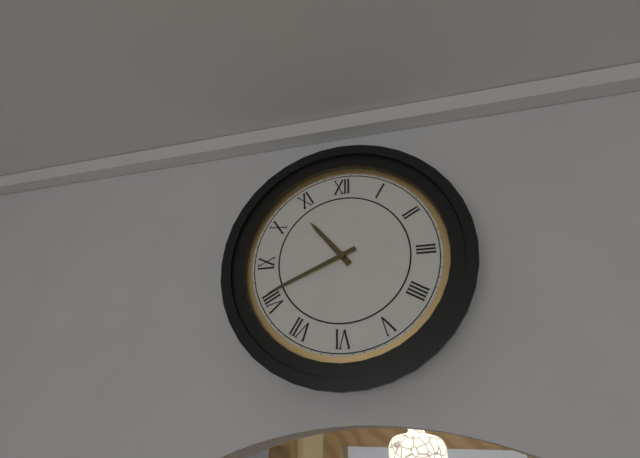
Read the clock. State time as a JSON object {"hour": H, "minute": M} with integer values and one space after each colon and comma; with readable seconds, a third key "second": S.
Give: {"hour": 10, "minute": 41}
